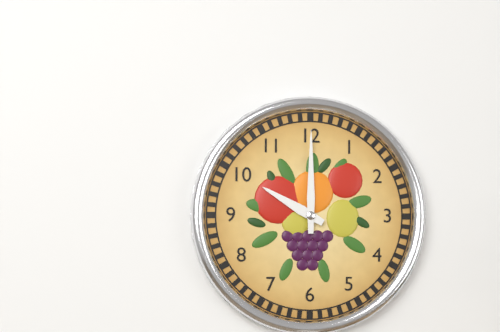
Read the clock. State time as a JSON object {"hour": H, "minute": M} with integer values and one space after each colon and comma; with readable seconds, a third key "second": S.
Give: {"hour": 10, "minute": 0}
